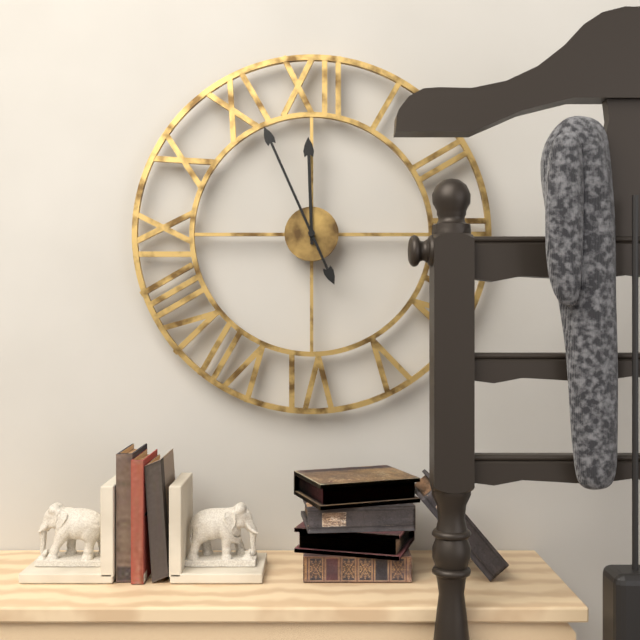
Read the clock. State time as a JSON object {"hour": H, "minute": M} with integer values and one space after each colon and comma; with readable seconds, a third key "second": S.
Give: {"hour": 11, "minute": 56}
